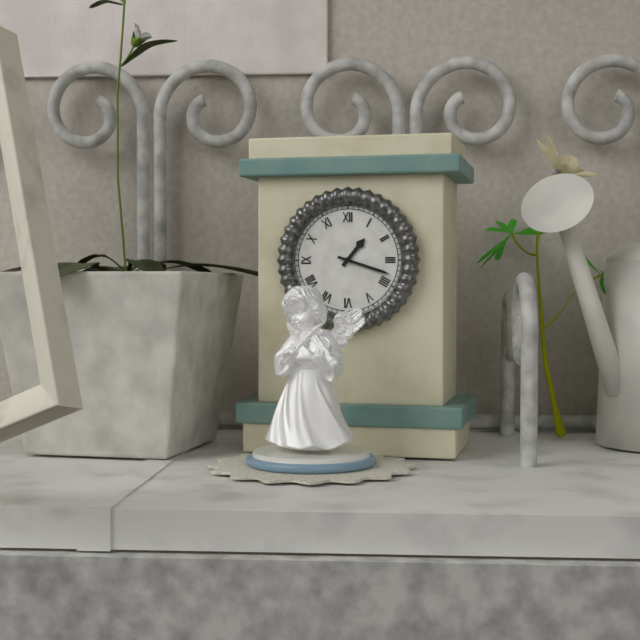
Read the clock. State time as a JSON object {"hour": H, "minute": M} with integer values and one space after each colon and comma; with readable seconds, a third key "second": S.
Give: {"hour": 1, "minute": 18}
